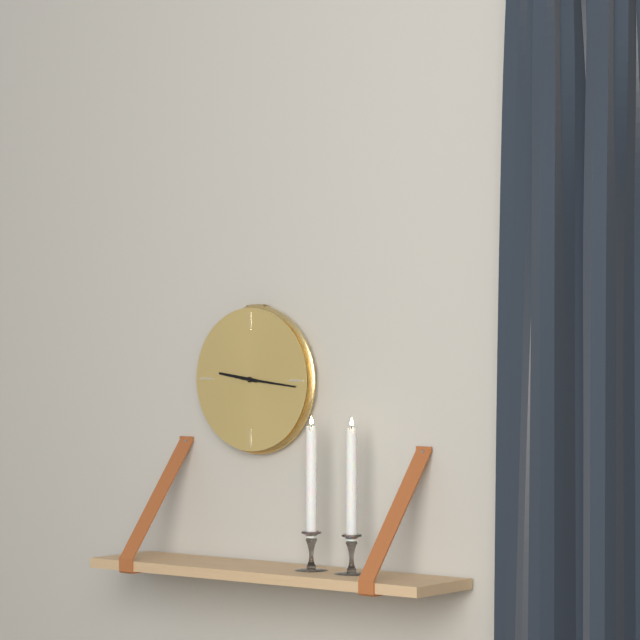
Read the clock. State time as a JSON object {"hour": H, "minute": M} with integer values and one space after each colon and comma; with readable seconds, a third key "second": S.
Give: {"hour": 9, "minute": 16}
